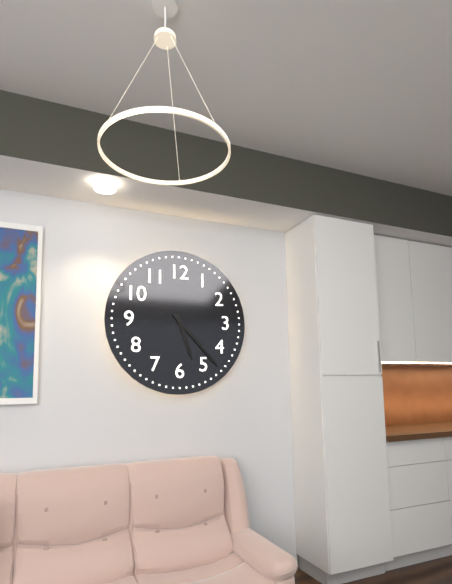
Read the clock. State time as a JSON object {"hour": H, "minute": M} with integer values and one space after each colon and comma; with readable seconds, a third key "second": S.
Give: {"hour": 5, "minute": 23}
